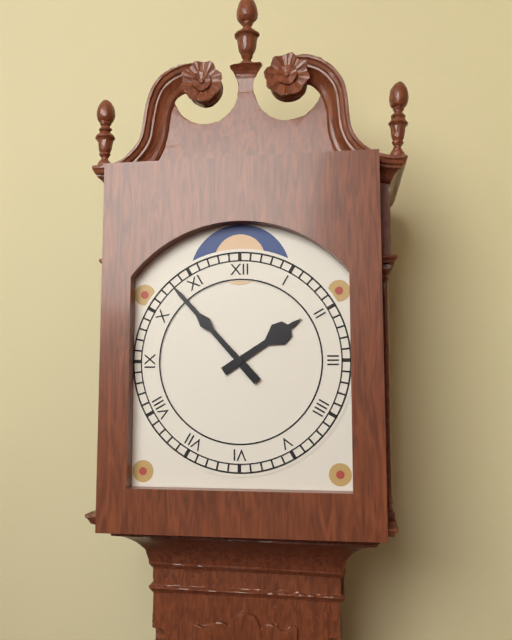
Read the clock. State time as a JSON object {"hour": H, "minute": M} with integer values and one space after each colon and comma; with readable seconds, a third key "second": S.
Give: {"hour": 1, "minute": 53}
